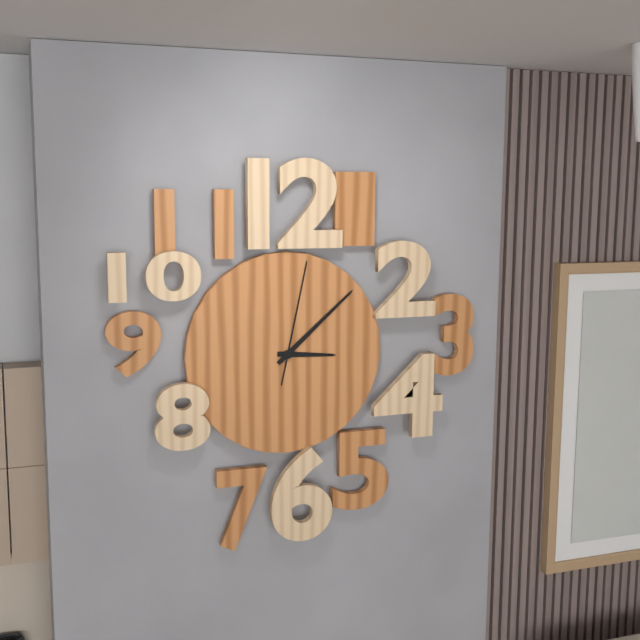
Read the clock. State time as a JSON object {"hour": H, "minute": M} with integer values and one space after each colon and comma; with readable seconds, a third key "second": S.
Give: {"hour": 3, "minute": 8, "second": 2}
